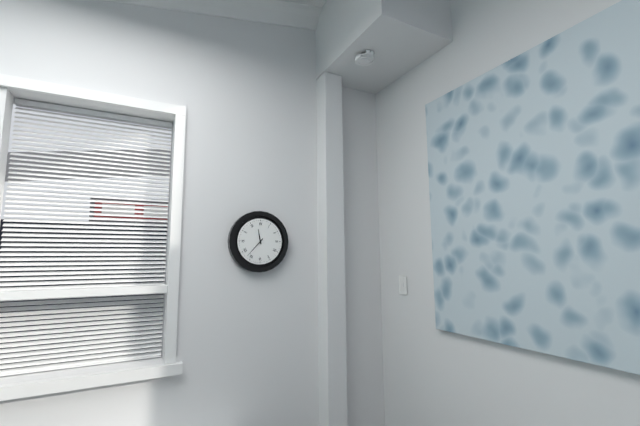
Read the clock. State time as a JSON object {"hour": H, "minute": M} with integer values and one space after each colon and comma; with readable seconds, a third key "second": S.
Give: {"hour": 11, "minute": 37}
